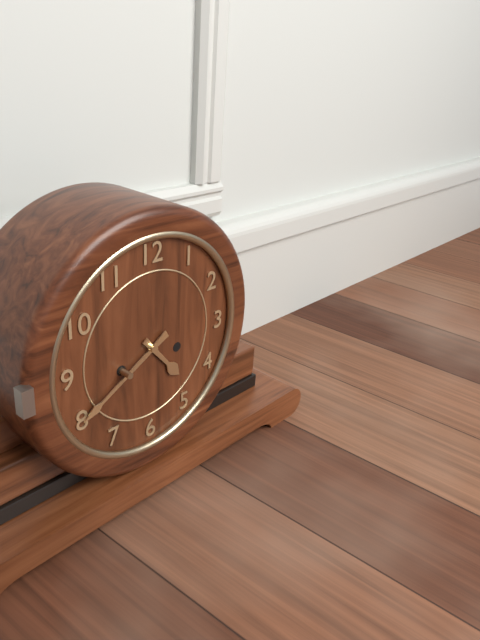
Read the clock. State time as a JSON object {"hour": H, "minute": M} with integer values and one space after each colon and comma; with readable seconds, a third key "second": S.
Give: {"hour": 4, "minute": 40}
